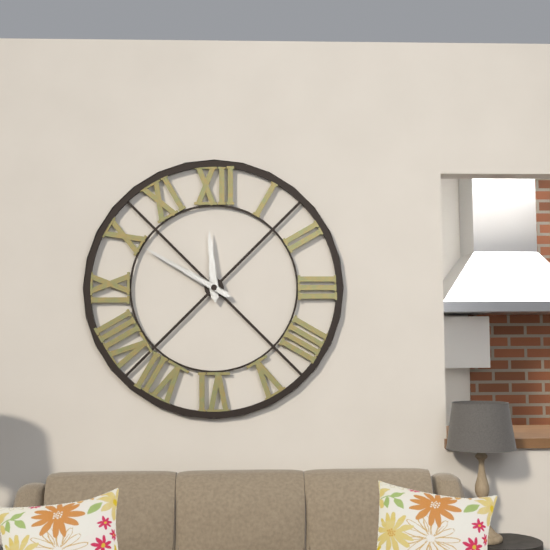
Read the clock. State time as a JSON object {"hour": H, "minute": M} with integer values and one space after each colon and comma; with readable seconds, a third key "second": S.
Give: {"hour": 11, "minute": 50}
